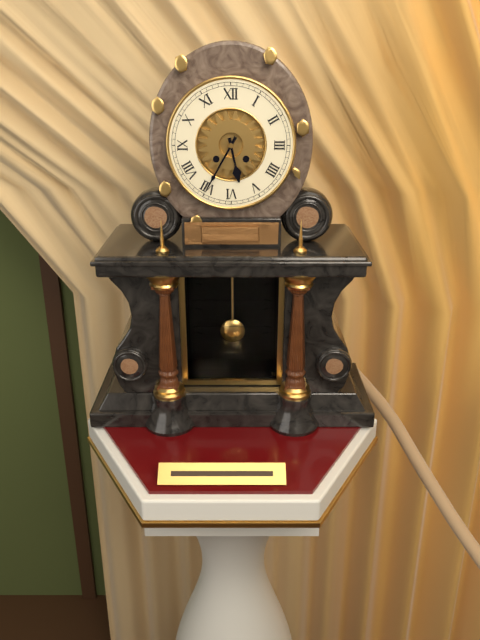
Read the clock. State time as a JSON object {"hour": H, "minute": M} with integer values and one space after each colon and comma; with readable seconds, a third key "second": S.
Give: {"hour": 5, "minute": 35}
